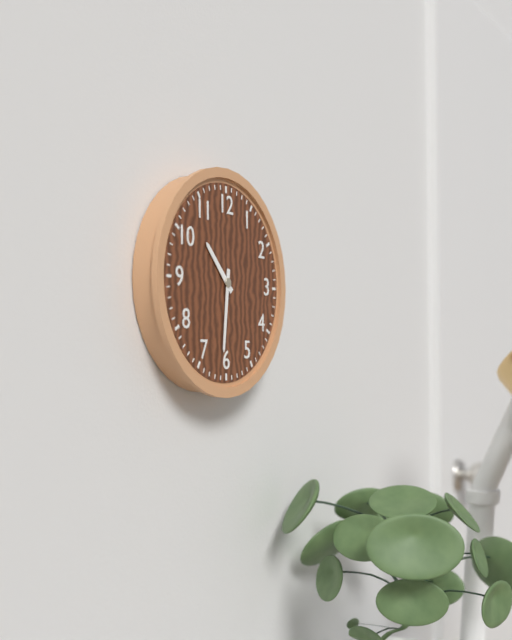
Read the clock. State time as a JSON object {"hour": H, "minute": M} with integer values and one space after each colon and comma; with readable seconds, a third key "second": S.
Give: {"hour": 10, "minute": 31}
